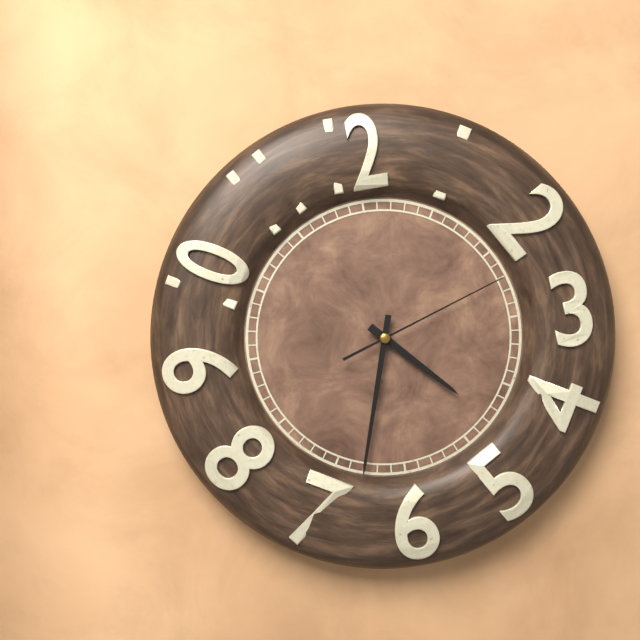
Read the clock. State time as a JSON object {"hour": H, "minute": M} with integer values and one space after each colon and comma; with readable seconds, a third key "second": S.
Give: {"hour": 4, "minute": 33, "second": 12}
